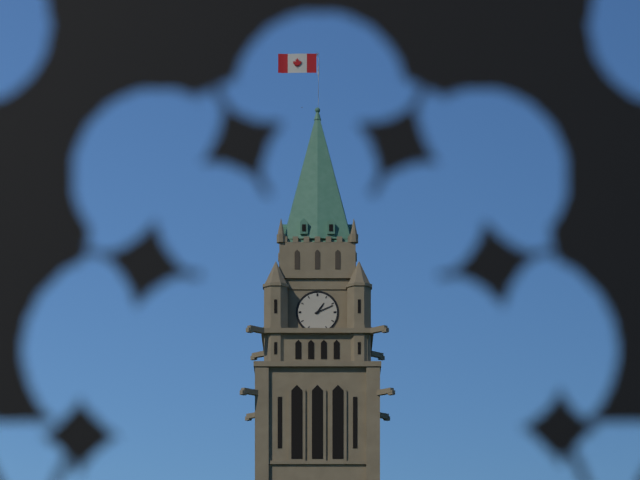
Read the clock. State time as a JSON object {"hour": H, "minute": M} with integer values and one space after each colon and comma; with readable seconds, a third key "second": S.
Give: {"hour": 1, "minute": 11}
